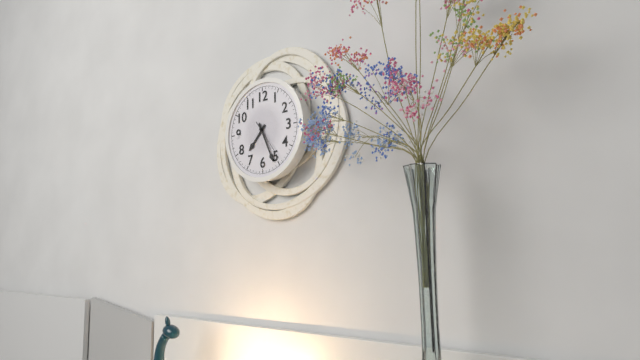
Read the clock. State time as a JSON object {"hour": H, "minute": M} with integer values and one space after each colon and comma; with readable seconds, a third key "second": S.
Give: {"hour": 7, "minute": 26}
